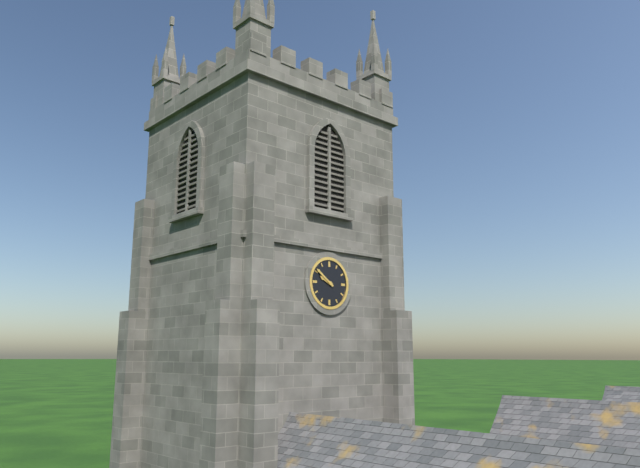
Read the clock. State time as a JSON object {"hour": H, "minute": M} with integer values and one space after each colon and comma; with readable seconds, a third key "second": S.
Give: {"hour": 9, "minute": 51}
